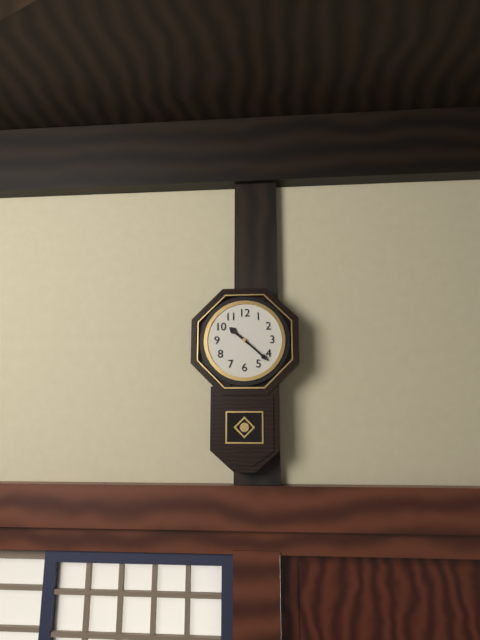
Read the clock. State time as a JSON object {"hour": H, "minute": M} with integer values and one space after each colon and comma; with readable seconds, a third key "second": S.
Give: {"hour": 10, "minute": 22}
